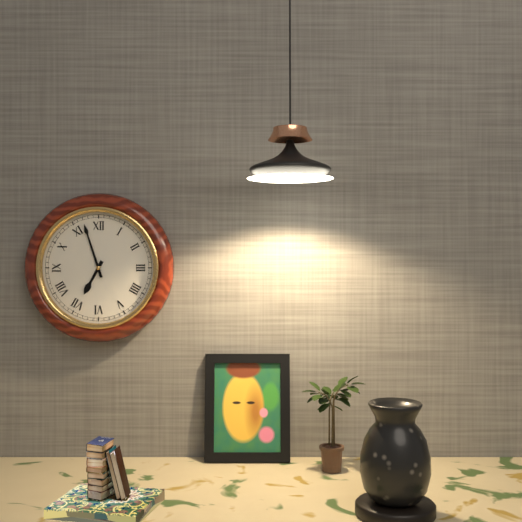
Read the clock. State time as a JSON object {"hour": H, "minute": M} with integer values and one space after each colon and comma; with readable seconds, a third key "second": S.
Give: {"hour": 6, "minute": 57}
